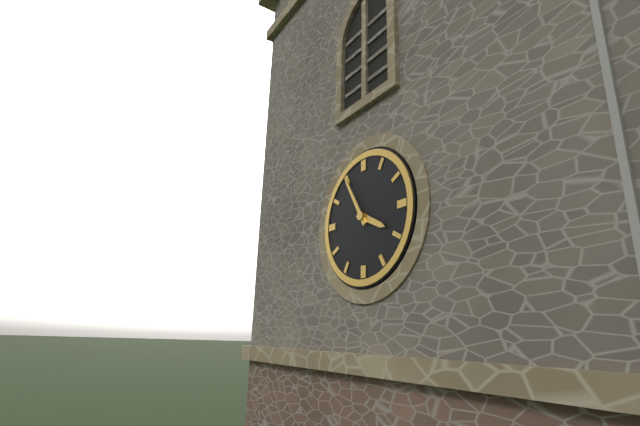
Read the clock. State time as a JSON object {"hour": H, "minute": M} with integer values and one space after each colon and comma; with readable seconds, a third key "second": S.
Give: {"hour": 3, "minute": 55}
